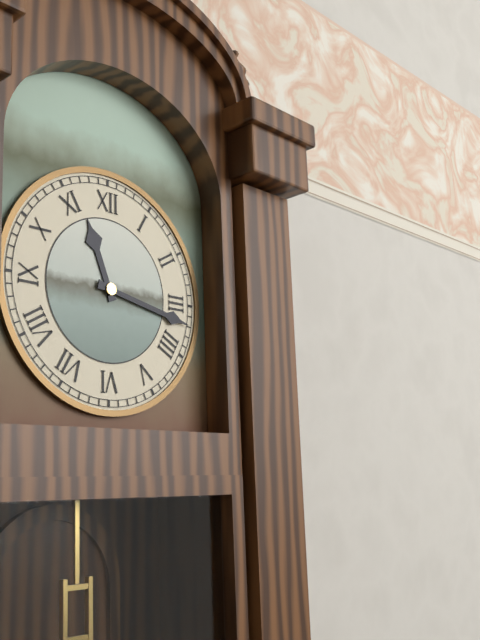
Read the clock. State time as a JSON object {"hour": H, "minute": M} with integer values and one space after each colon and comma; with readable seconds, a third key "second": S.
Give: {"hour": 11, "minute": 17}
